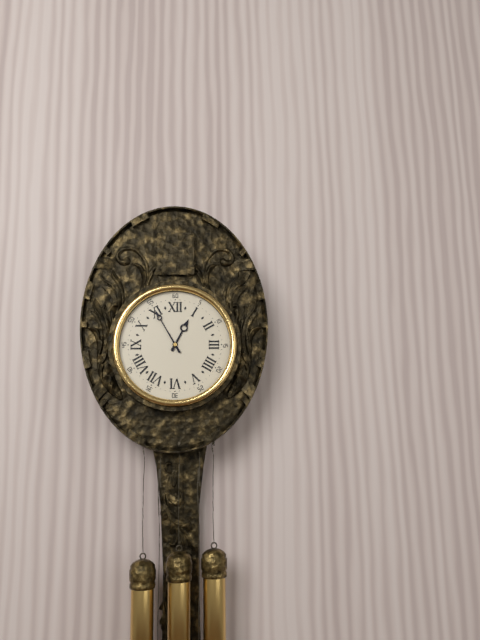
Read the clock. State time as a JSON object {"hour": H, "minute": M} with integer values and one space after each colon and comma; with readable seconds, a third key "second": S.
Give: {"hour": 12, "minute": 55}
